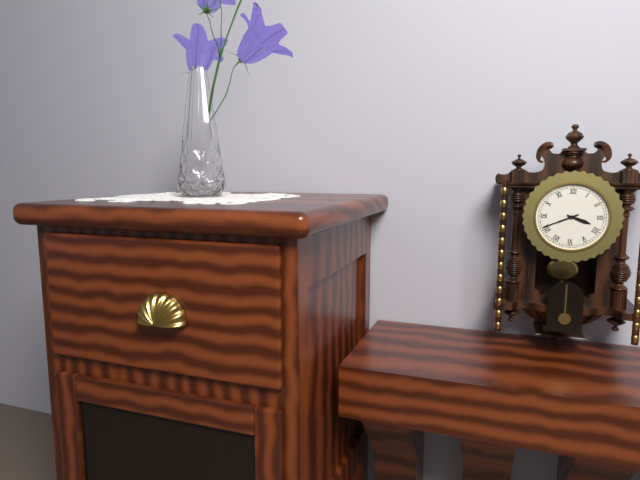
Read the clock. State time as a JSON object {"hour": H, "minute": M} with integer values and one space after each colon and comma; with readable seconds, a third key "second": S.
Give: {"hour": 3, "minute": 41}
